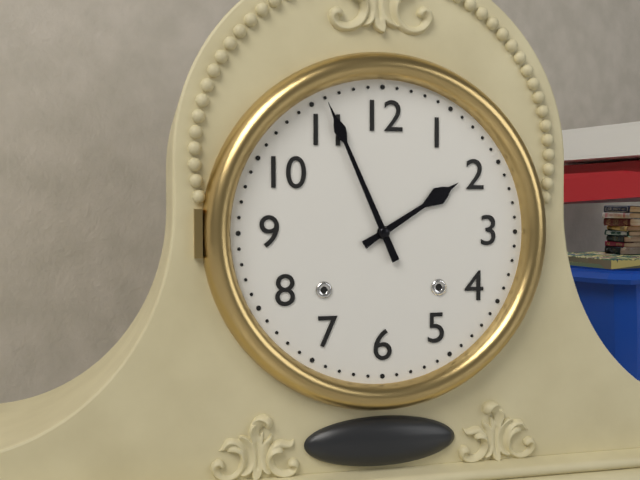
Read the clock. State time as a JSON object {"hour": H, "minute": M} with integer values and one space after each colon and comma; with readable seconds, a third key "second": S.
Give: {"hour": 1, "minute": 56}
